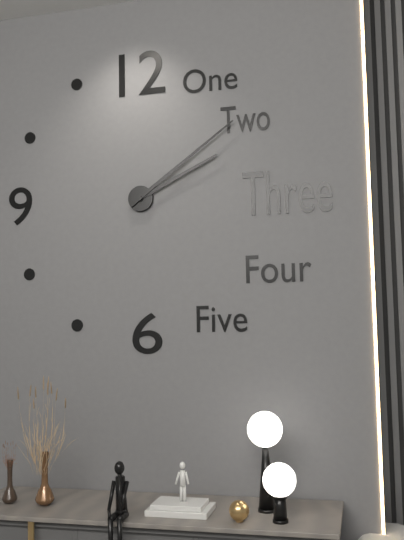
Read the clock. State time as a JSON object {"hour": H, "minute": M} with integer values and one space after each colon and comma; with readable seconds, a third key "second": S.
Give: {"hour": 2, "minute": 9}
